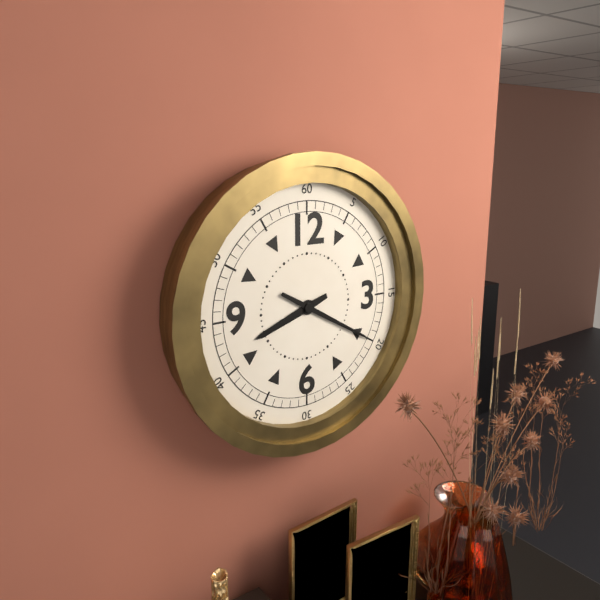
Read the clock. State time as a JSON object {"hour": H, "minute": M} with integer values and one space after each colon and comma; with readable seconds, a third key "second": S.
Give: {"hour": 8, "minute": 20}
